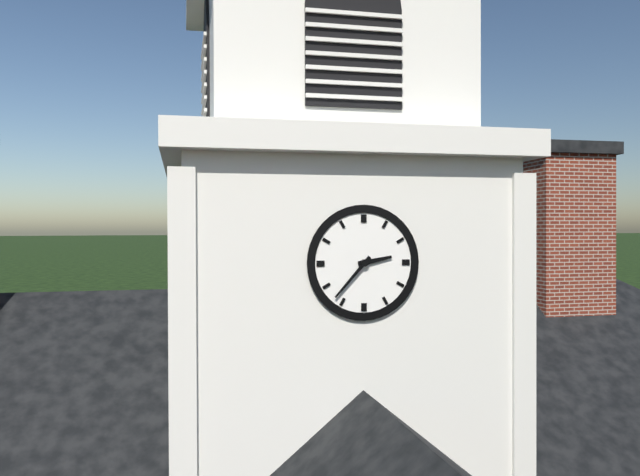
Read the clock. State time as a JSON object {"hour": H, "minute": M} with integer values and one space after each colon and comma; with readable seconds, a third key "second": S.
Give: {"hour": 2, "minute": 37}
